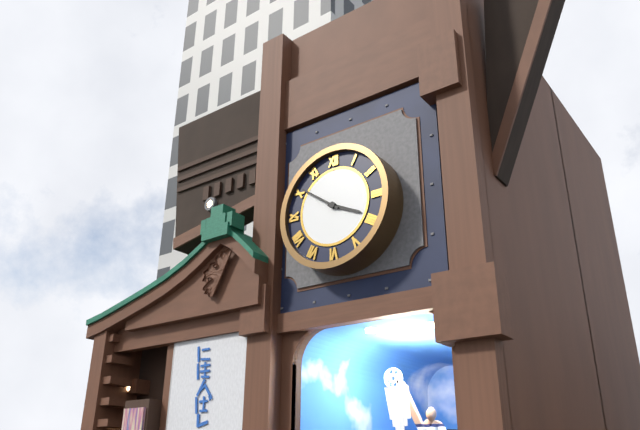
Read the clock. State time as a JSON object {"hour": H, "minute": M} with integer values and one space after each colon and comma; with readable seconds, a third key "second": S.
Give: {"hour": 3, "minute": 51}
